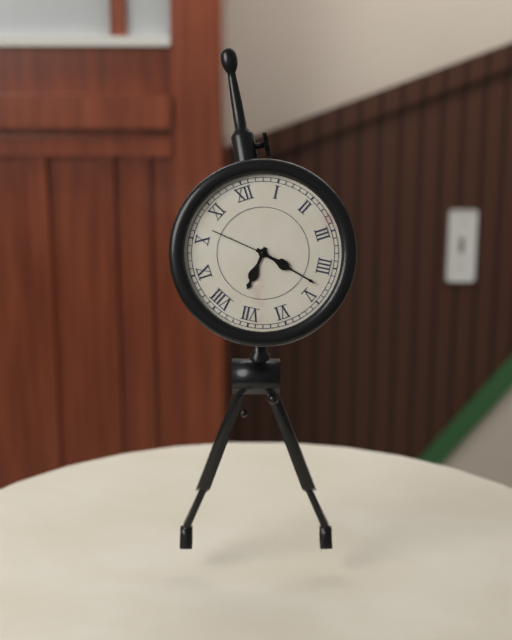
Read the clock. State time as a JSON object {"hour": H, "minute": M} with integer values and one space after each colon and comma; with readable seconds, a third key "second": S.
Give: {"hour": 7, "minute": 23, "second": 52}
